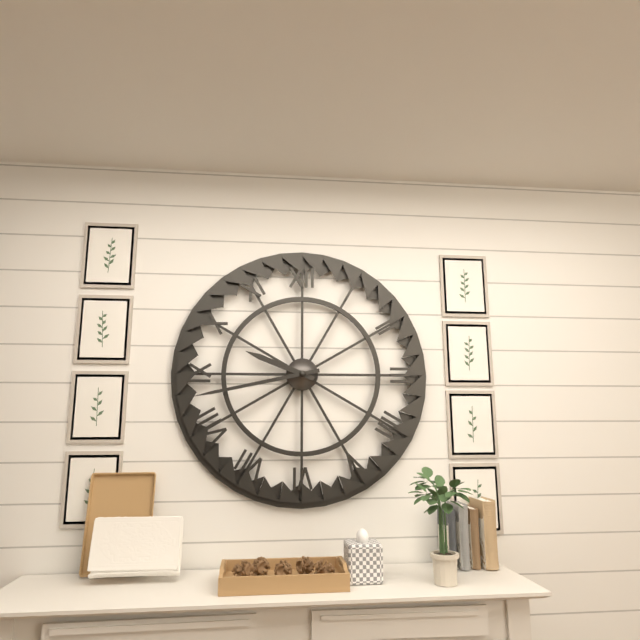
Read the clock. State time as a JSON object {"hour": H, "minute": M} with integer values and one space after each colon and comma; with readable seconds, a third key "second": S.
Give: {"hour": 9, "minute": 43}
